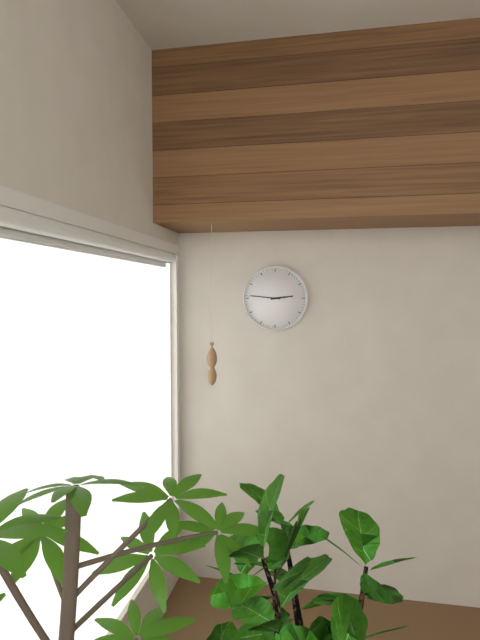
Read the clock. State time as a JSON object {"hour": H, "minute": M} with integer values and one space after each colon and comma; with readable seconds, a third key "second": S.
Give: {"hour": 2, "minute": 46}
